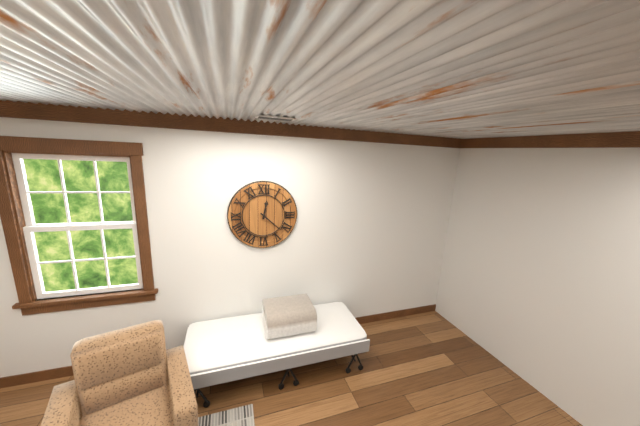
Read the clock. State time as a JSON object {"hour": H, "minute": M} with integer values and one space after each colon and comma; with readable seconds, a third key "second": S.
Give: {"hour": 12, "minute": 22}
